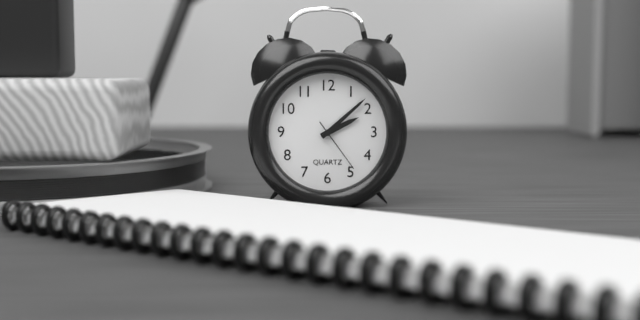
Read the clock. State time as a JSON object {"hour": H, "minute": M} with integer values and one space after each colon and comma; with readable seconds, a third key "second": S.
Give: {"hour": 2, "minute": 8, "second": 24}
